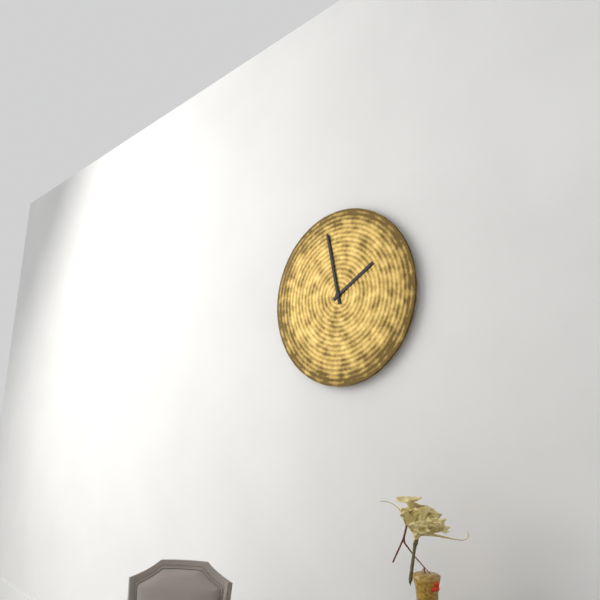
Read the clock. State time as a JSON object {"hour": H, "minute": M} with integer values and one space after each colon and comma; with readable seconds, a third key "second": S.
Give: {"hour": 1, "minute": 58}
